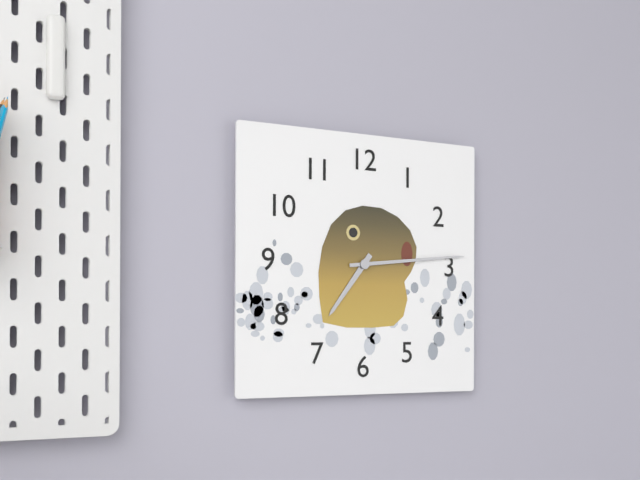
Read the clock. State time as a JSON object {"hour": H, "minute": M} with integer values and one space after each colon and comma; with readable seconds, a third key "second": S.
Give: {"hour": 7, "minute": 14}
